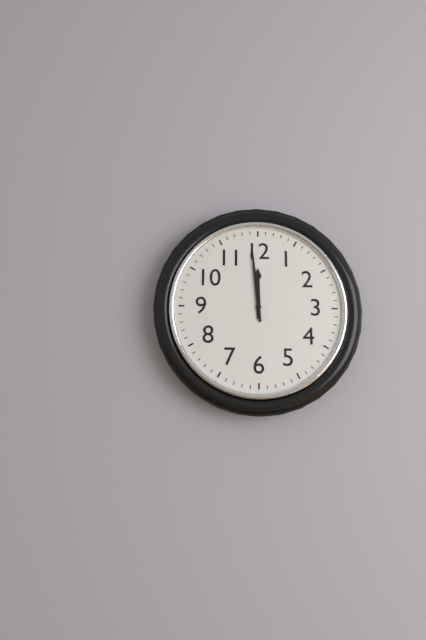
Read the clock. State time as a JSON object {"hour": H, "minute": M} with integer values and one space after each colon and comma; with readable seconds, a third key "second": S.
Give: {"hour": 11, "minute": 59}
